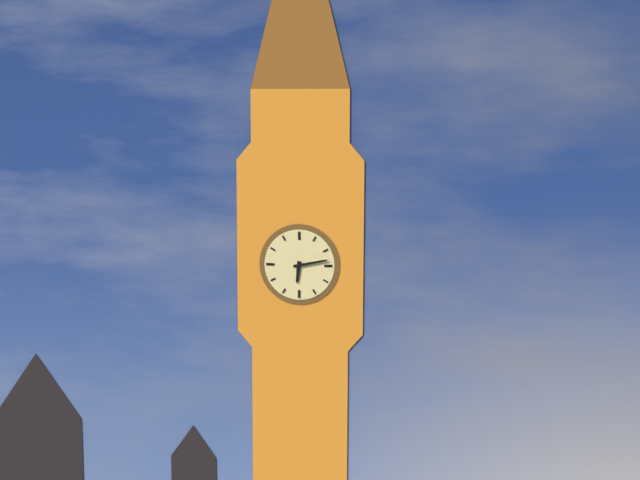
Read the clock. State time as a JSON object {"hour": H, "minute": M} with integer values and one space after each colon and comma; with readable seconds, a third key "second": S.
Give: {"hour": 6, "minute": 13}
